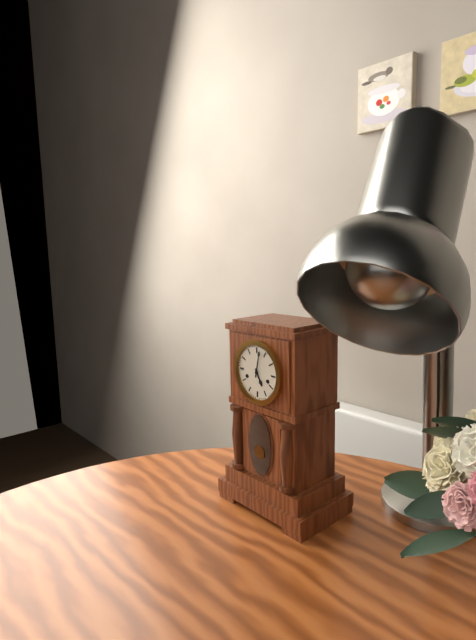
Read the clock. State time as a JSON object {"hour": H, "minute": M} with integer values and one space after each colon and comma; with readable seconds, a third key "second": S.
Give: {"hour": 5, "minute": 2}
